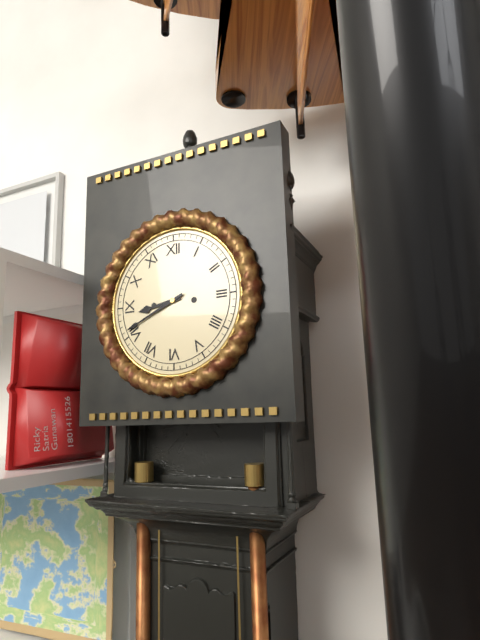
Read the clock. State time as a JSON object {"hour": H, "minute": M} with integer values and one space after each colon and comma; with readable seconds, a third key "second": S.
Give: {"hour": 8, "minute": 41}
